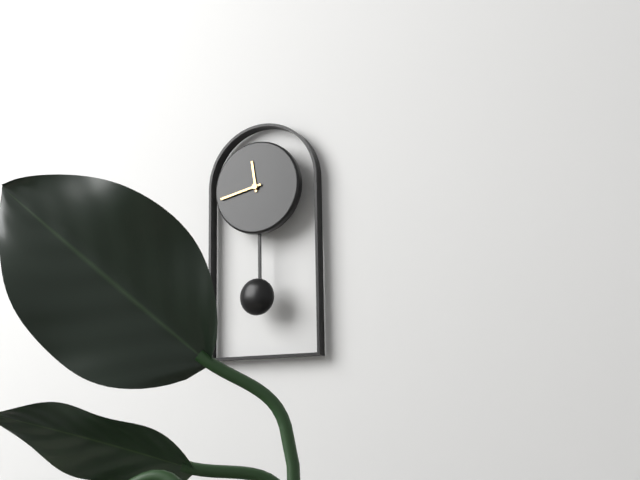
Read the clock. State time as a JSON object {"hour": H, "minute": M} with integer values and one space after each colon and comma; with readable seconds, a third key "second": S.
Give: {"hour": 11, "minute": 43}
